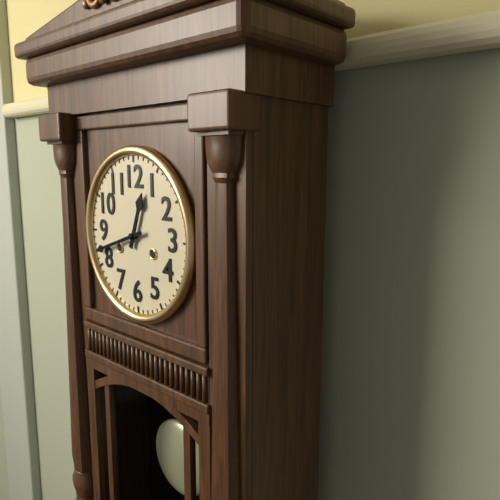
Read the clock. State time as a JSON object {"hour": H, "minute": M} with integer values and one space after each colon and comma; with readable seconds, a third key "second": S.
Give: {"hour": 12, "minute": 42}
